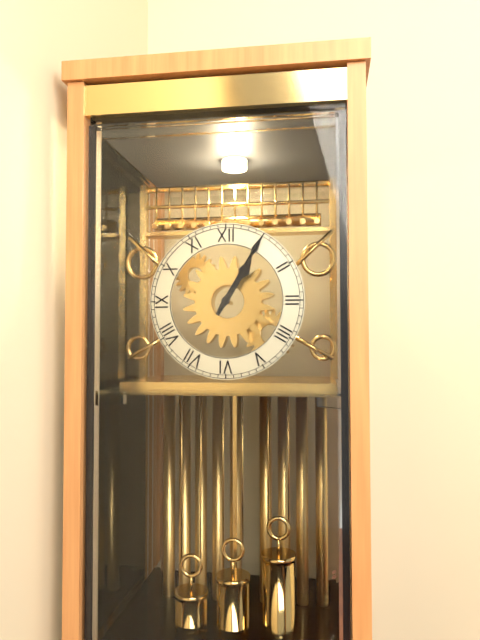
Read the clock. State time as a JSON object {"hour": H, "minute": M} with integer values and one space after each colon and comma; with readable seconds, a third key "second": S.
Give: {"hour": 1, "minute": 5}
